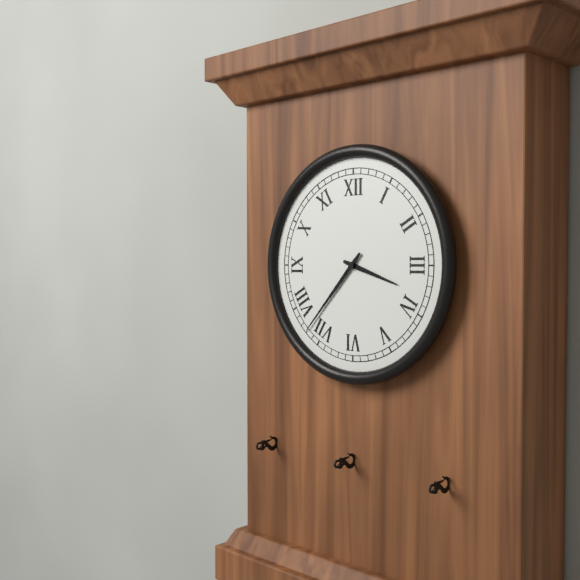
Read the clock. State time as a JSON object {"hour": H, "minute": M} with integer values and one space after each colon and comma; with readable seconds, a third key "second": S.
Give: {"hour": 3, "minute": 37}
